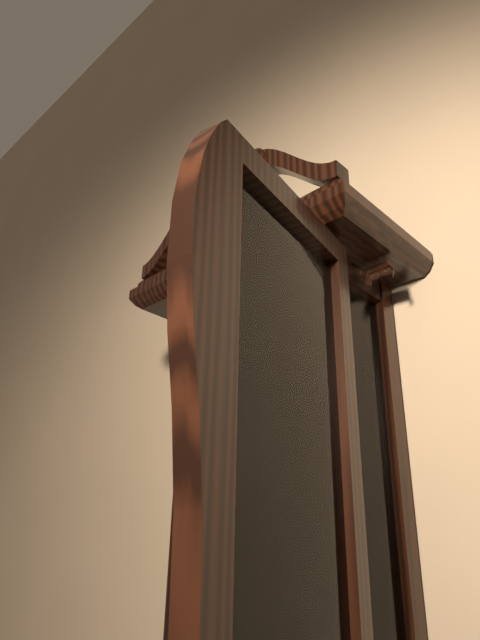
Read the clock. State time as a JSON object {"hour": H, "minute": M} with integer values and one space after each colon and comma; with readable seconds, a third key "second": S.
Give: {"hour": 6, "minute": 21}
